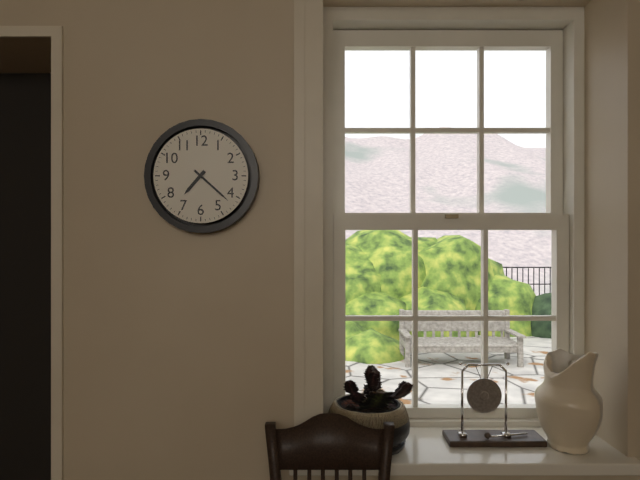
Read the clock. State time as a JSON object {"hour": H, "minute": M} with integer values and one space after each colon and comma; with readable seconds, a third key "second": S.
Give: {"hour": 7, "minute": 22}
